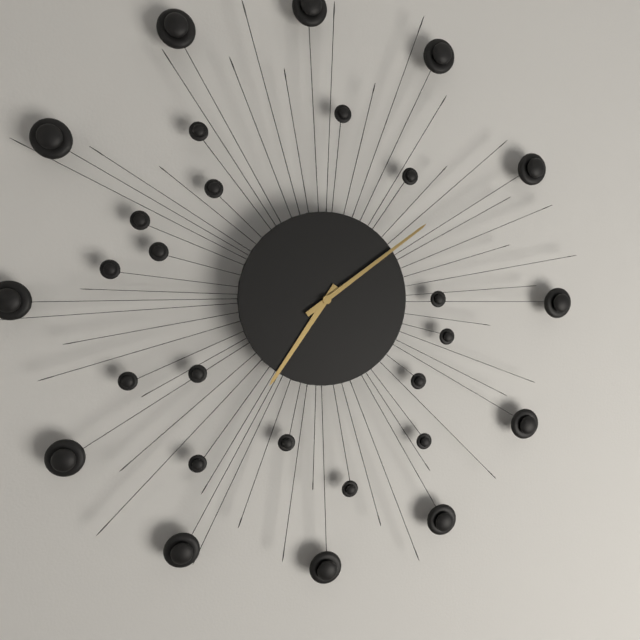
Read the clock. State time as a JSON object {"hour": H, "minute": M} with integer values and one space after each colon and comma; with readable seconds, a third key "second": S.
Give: {"hour": 7, "minute": 9}
